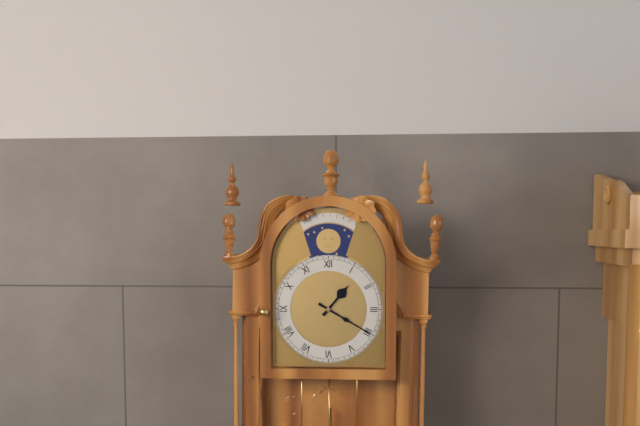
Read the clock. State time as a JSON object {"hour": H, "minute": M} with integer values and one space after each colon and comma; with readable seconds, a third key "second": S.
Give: {"hour": 1, "minute": 20}
